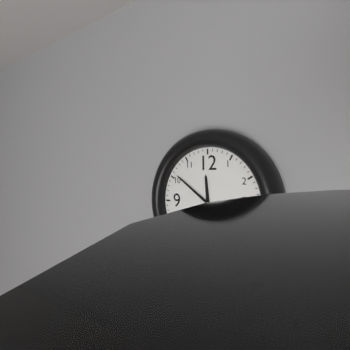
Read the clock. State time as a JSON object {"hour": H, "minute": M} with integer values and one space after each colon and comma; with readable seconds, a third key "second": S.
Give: {"hour": 11, "minute": 51}
